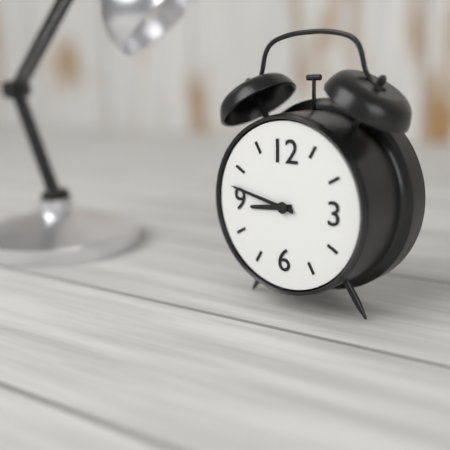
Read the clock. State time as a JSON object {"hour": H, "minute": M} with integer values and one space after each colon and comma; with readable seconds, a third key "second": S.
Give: {"hour": 8, "minute": 47}
